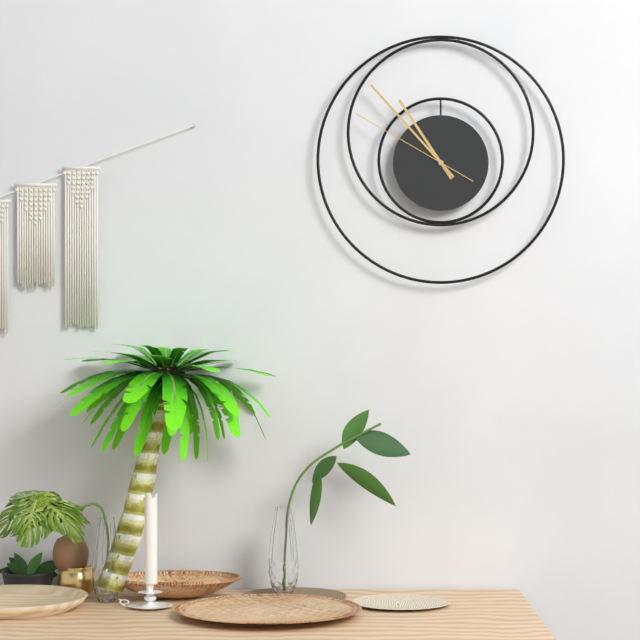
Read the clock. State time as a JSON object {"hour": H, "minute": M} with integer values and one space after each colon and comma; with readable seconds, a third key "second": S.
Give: {"hour": 10, "minute": 53, "second": 50}
